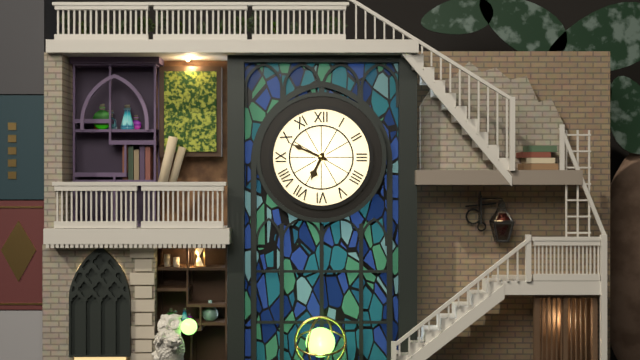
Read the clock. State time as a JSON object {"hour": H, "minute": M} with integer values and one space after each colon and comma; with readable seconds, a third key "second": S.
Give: {"hour": 6, "minute": 49}
